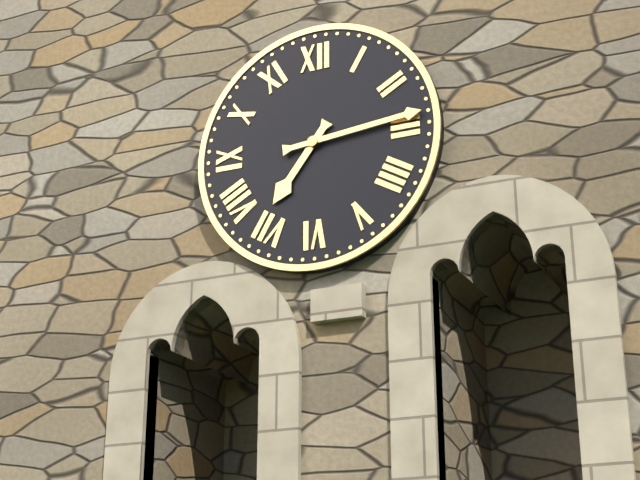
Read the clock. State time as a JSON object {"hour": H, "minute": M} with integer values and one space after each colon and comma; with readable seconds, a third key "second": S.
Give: {"hour": 7, "minute": 14}
